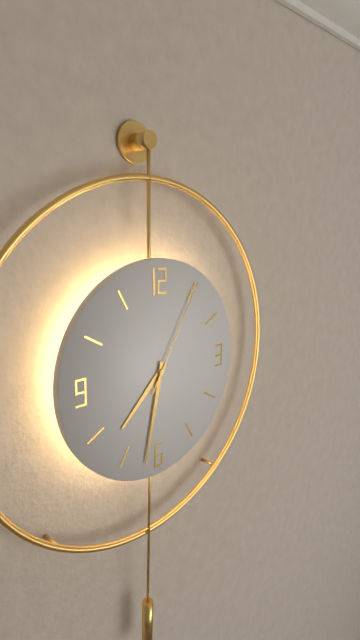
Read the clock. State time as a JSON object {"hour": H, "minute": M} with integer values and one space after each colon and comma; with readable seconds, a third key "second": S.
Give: {"hour": 7, "minute": 32, "second": 5}
